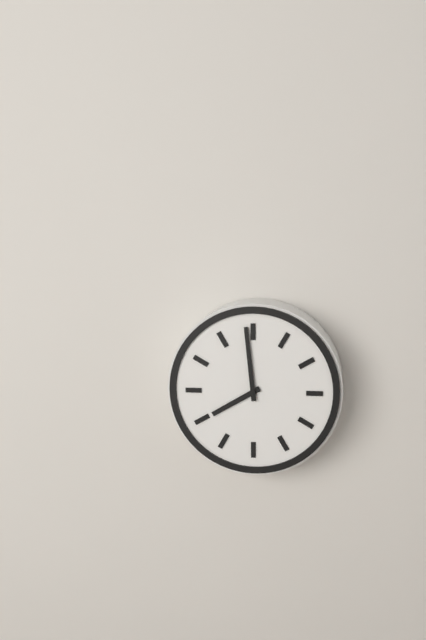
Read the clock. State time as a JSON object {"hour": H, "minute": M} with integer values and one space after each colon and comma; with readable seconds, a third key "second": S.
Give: {"hour": 7, "minute": 59}
